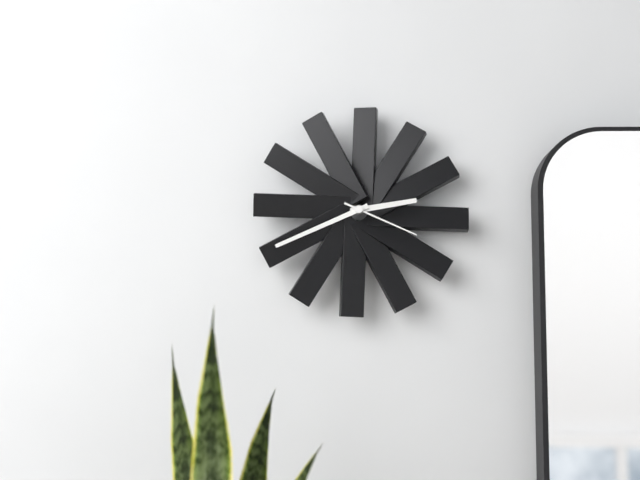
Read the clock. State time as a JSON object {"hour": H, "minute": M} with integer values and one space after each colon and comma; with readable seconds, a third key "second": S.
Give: {"hour": 2, "minute": 41, "second": 19}
